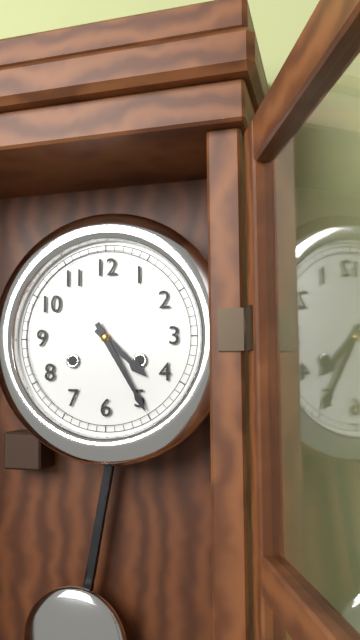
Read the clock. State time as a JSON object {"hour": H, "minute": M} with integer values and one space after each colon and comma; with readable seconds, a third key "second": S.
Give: {"hour": 4, "minute": 25}
